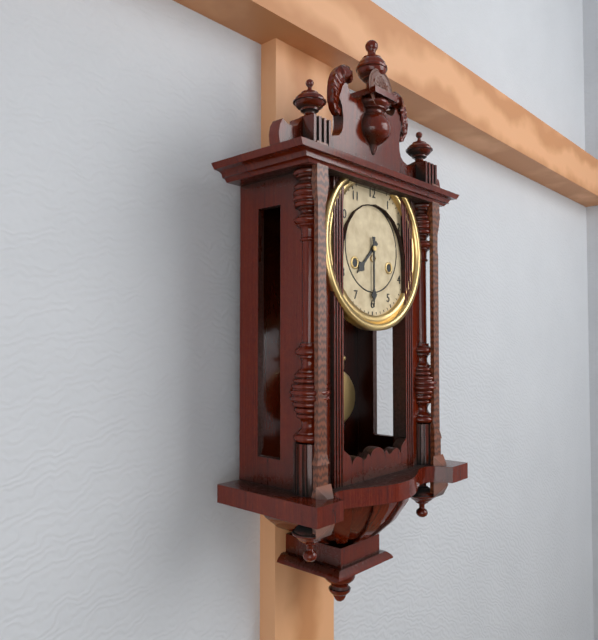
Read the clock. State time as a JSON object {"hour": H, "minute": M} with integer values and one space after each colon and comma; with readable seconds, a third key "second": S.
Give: {"hour": 7, "minute": 30}
